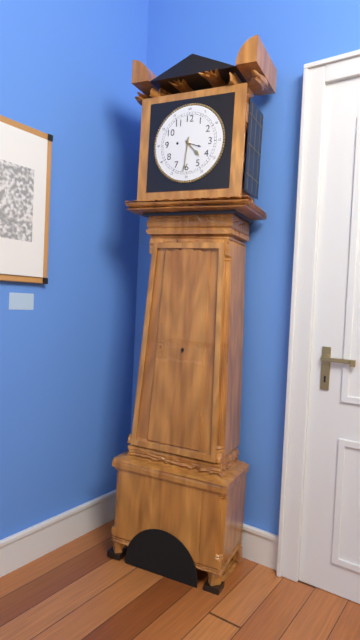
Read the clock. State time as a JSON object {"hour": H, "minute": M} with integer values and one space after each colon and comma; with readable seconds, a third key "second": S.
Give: {"hour": 4, "minute": 31}
